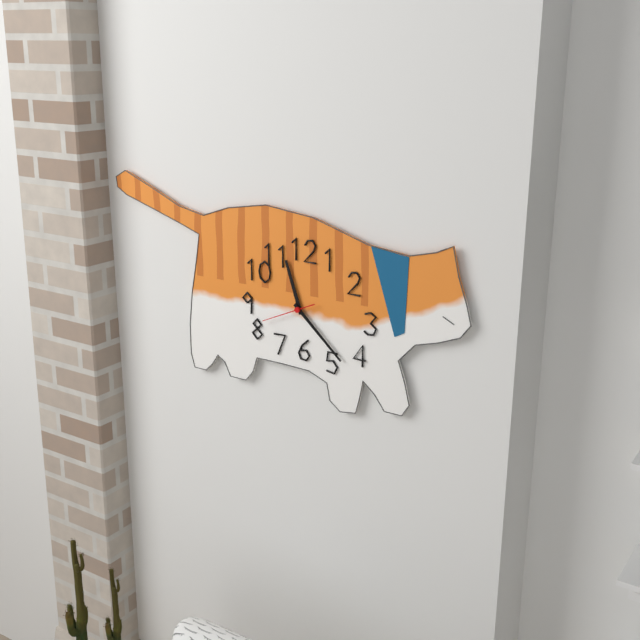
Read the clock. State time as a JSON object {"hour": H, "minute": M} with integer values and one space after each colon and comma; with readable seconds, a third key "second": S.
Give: {"hour": 11, "minute": 22}
